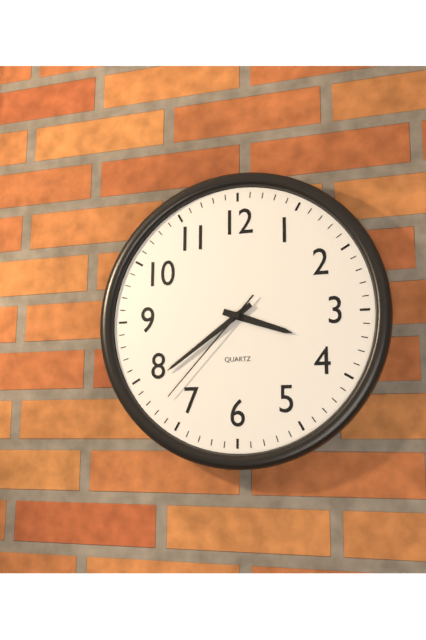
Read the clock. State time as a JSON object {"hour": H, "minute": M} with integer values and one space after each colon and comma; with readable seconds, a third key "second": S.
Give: {"hour": 3, "minute": 39, "second": 37}
